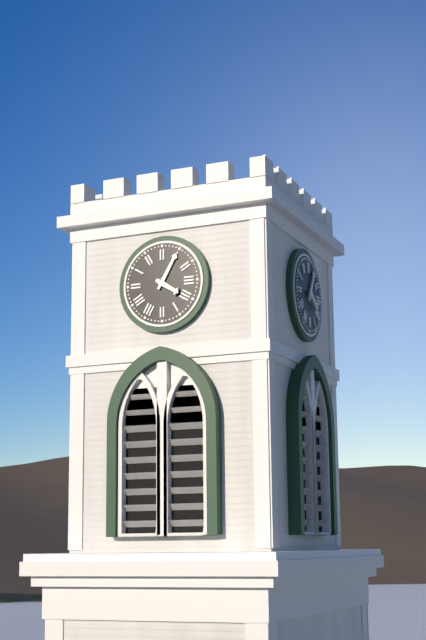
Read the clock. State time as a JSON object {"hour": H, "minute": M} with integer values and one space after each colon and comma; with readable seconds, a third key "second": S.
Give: {"hour": 4, "minute": 5}
